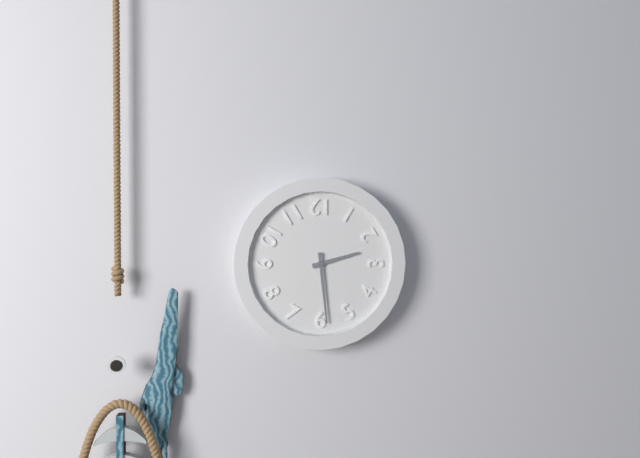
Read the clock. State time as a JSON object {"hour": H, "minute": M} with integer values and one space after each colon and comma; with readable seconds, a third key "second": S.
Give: {"hour": 2, "minute": 29}
